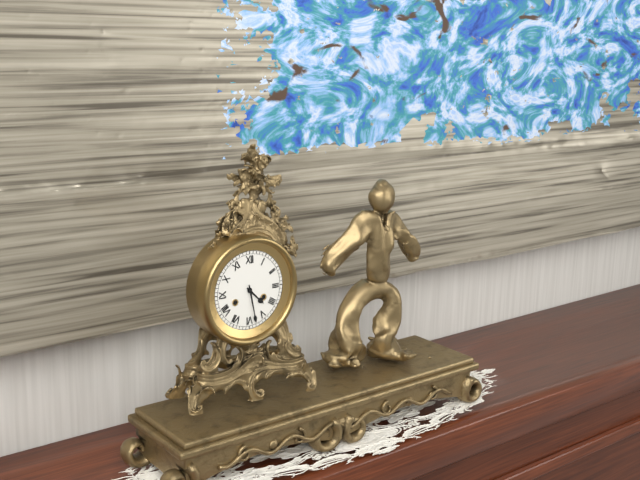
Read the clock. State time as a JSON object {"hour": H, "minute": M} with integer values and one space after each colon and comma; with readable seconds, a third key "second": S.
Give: {"hour": 4, "minute": 28}
